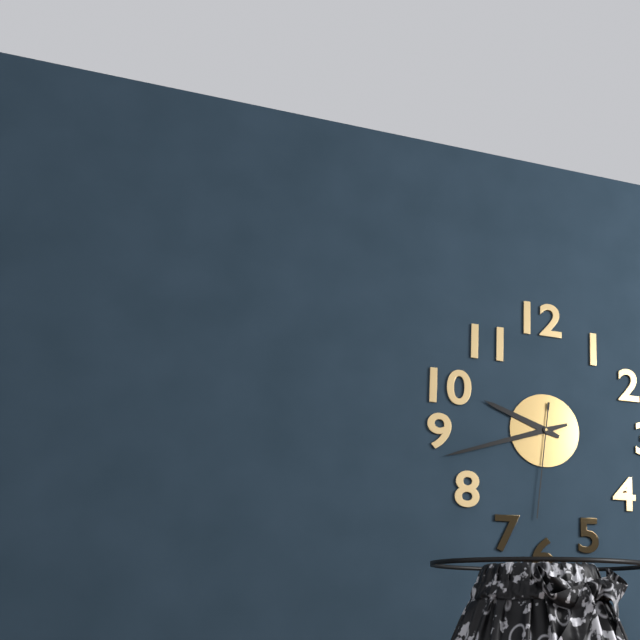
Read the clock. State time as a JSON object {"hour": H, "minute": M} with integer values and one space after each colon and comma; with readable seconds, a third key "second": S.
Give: {"hour": 9, "minute": 42, "second": 31}
